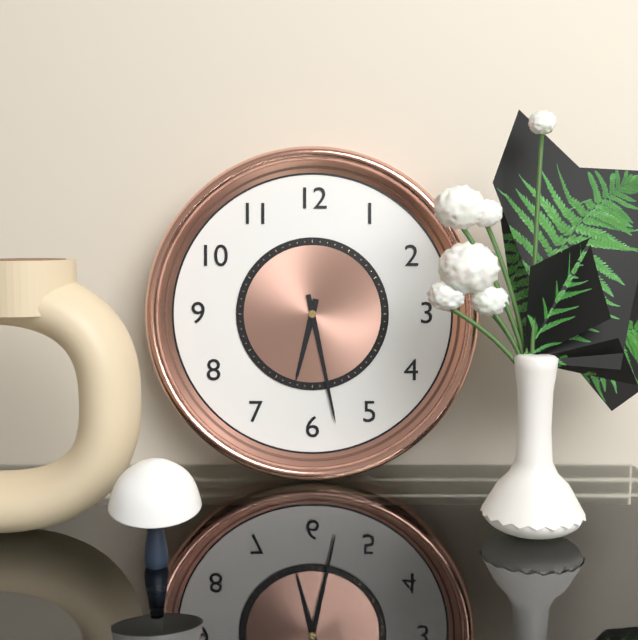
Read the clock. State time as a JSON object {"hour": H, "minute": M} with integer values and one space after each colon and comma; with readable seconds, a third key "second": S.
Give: {"hour": 6, "minute": 28}
